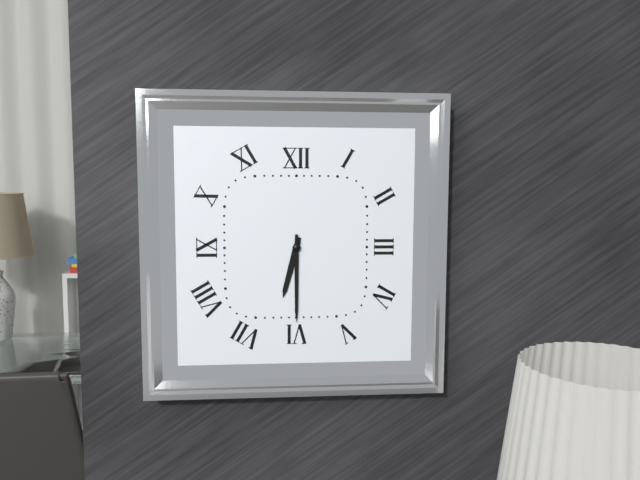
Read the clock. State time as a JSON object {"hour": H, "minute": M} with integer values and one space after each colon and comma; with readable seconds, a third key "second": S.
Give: {"hour": 6, "minute": 30}
